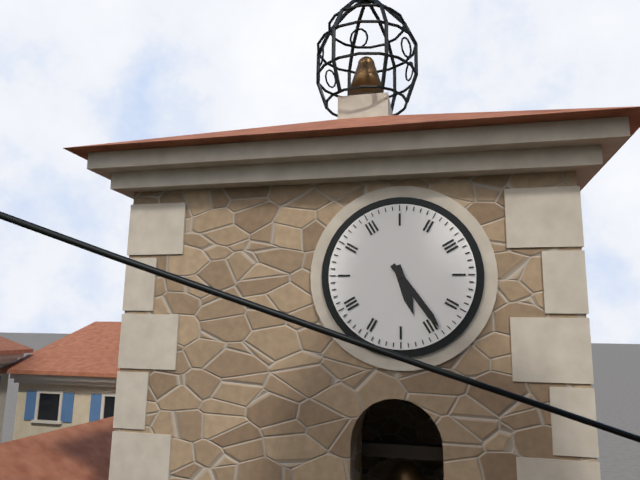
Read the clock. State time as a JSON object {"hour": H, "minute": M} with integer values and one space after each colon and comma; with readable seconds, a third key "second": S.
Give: {"hour": 5, "minute": 24}
